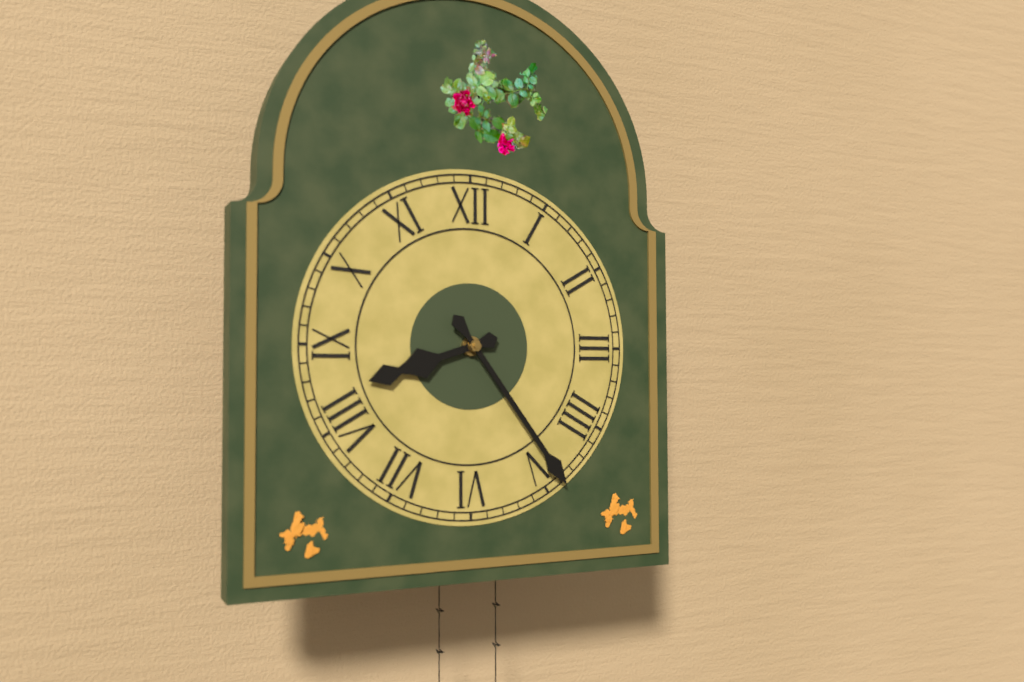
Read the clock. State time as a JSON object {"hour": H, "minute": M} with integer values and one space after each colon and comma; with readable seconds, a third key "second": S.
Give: {"hour": 8, "minute": 24}
